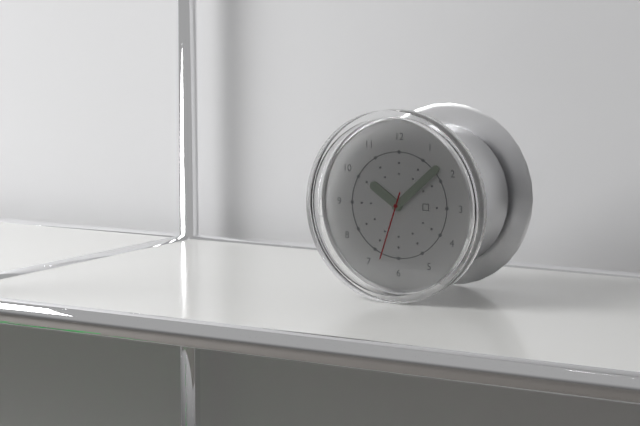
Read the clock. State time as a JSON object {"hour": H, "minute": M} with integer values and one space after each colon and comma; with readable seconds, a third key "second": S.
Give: {"hour": 10, "minute": 8, "second": 33}
